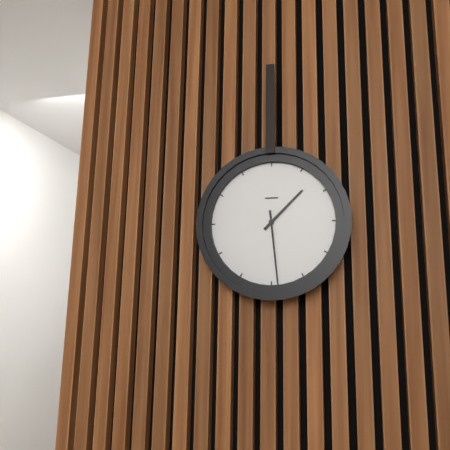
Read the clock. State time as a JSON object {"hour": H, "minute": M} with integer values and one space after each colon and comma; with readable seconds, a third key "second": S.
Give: {"hour": 1, "minute": 29}
